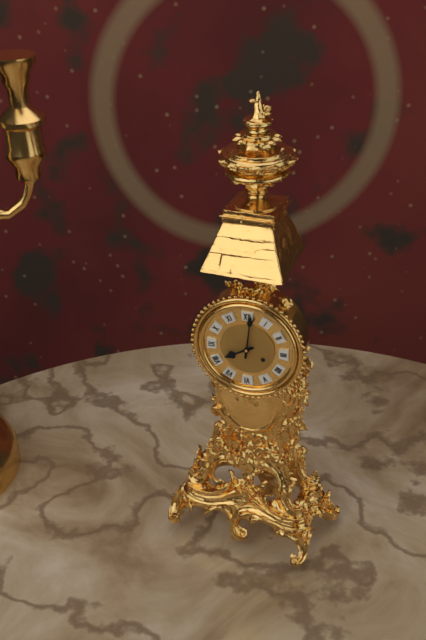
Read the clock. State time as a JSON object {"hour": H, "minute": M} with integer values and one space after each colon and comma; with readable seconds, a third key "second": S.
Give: {"hour": 8, "minute": 1}
